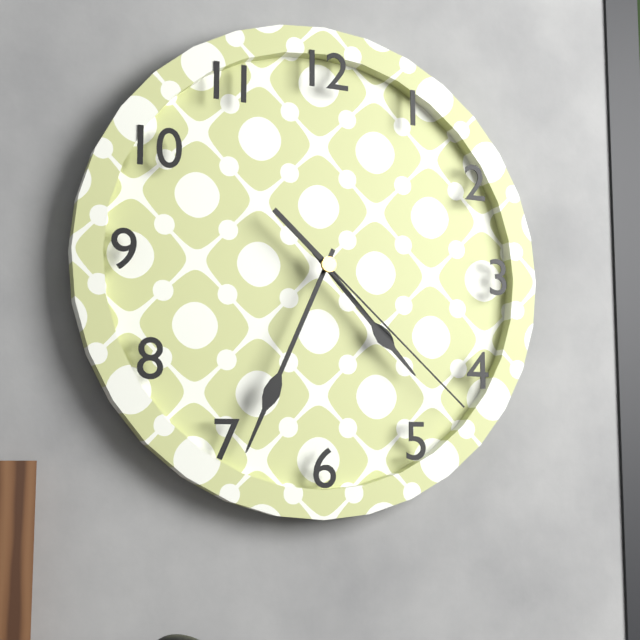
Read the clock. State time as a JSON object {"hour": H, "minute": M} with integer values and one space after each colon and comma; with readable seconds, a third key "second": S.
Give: {"hour": 4, "minute": 34, "second": 22}
